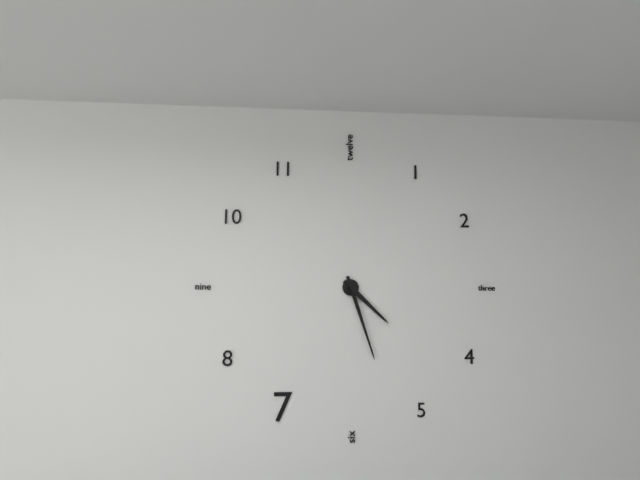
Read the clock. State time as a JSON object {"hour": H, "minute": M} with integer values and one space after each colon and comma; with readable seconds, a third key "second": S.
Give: {"hour": 4, "minute": 27}
